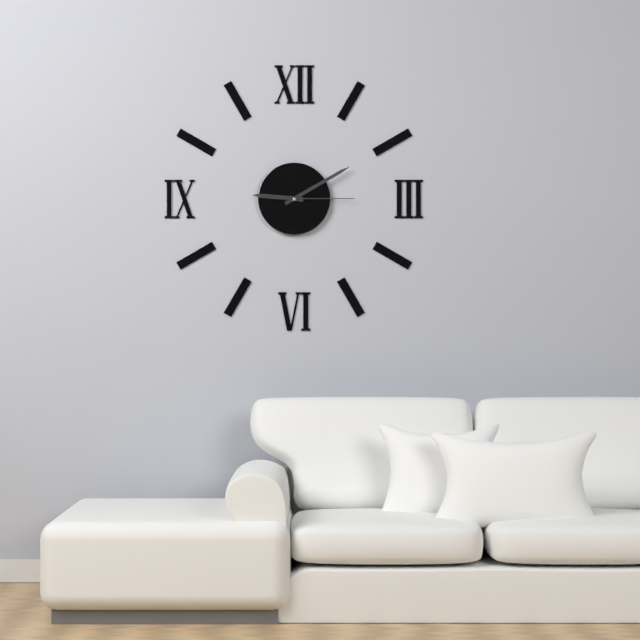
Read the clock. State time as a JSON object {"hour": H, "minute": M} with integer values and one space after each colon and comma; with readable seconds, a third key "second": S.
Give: {"hour": 9, "minute": 10, "second": 15}
